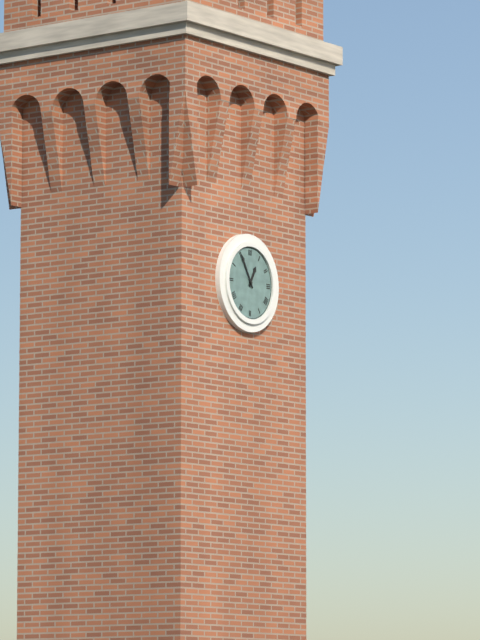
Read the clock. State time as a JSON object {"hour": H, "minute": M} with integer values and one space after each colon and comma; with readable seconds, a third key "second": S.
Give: {"hour": 12, "minute": 55}
